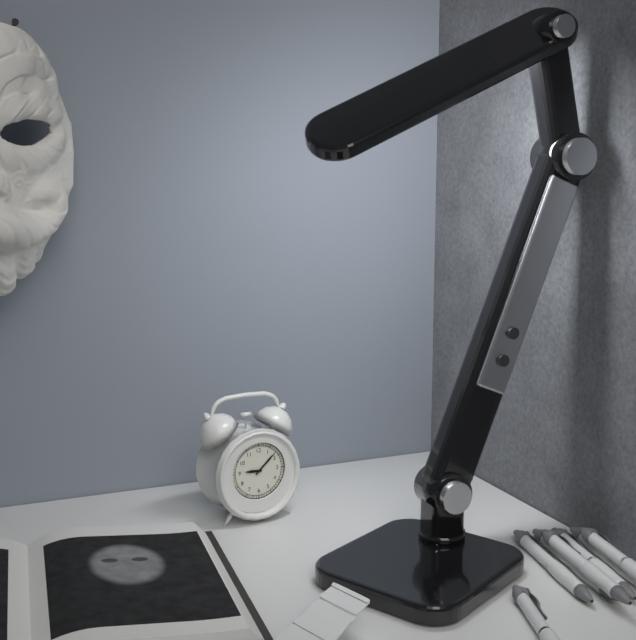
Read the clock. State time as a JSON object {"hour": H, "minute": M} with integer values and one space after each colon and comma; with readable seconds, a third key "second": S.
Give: {"hour": 9, "minute": 8}
